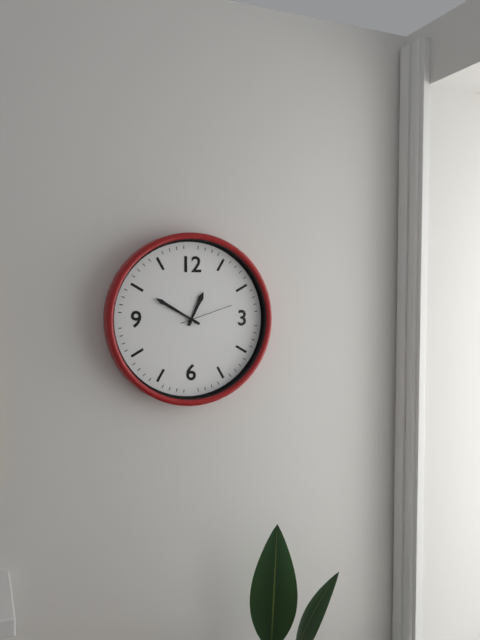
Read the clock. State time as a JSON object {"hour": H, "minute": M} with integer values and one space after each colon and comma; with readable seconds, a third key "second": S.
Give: {"hour": 12, "minute": 50, "second": 12}
